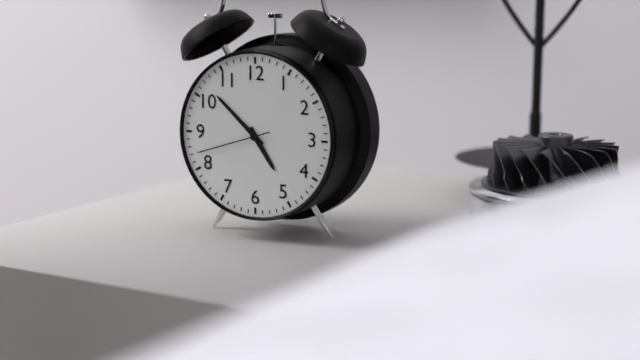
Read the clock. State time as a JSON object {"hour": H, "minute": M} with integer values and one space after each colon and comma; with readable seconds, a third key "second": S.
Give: {"hour": 4, "minute": 52, "second": 42}
